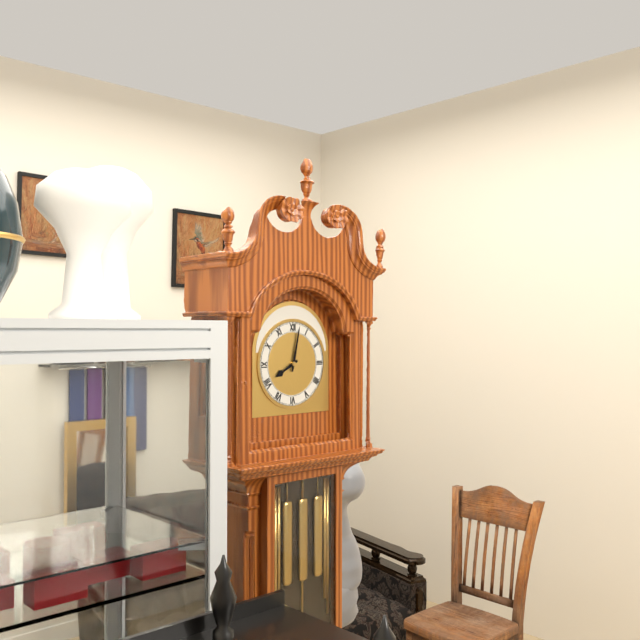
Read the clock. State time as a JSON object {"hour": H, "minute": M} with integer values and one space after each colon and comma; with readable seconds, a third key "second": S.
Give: {"hour": 8, "minute": 2}
